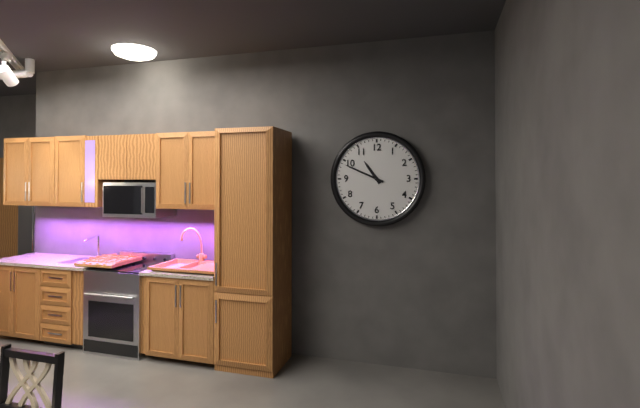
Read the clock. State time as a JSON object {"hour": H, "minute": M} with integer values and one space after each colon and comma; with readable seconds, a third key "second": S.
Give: {"hour": 10, "minute": 49}
